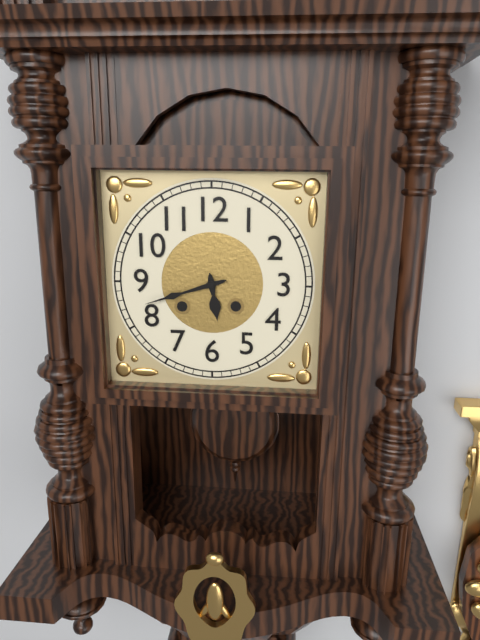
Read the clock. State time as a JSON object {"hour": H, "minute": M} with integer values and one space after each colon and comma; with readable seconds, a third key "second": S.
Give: {"hour": 5, "minute": 42}
